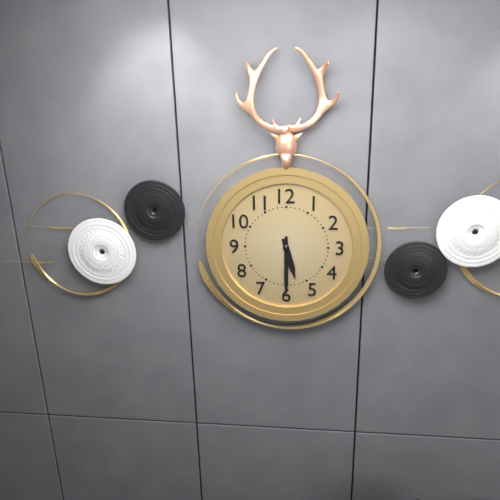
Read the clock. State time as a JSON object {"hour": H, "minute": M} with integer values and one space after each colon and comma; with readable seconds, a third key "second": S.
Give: {"hour": 5, "minute": 30}
